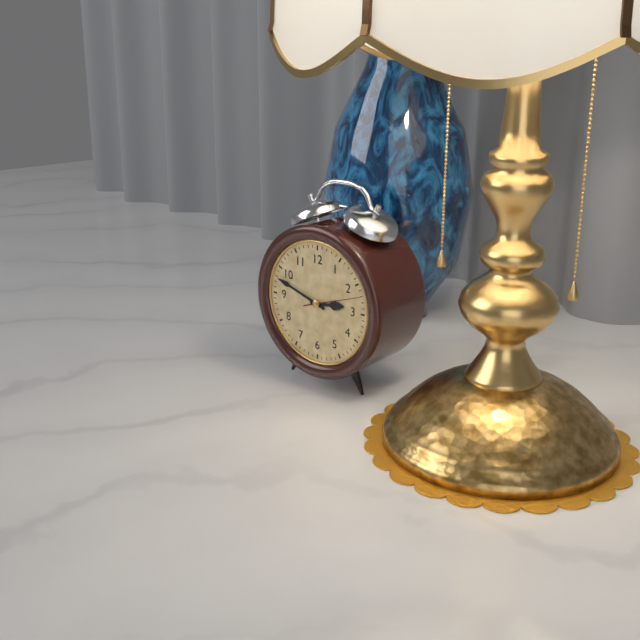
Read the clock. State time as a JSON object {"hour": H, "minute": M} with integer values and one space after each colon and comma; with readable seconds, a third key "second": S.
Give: {"hour": 2, "minute": 48, "second": 12}
